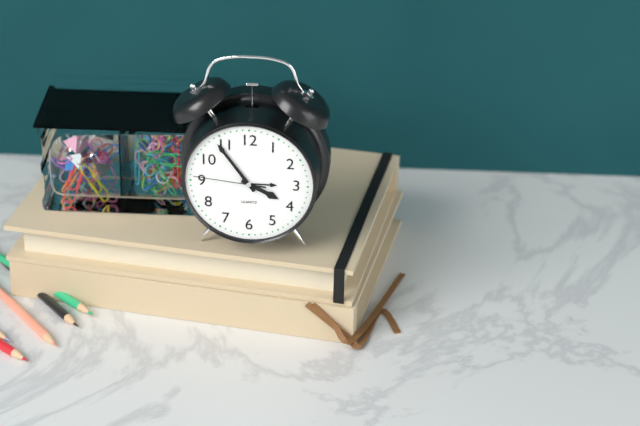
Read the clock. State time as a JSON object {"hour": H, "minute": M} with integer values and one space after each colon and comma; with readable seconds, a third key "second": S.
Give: {"hour": 3, "minute": 54, "second": 46}
